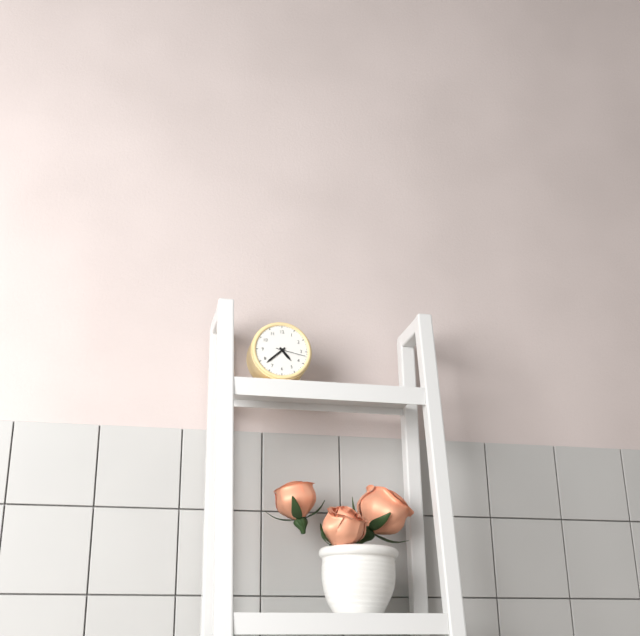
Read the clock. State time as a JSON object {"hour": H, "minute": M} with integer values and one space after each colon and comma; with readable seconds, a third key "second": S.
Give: {"hour": 4, "minute": 38}
